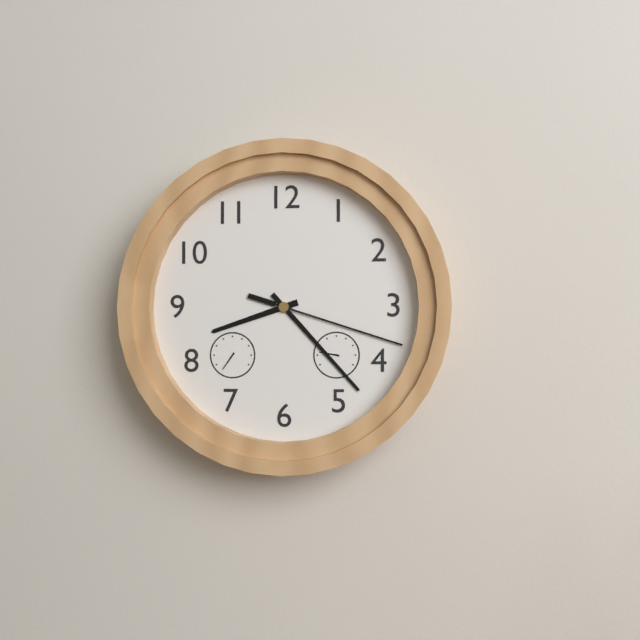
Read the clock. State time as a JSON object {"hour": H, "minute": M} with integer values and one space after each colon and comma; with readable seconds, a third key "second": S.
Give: {"hour": 8, "minute": 23, "second": 18}
